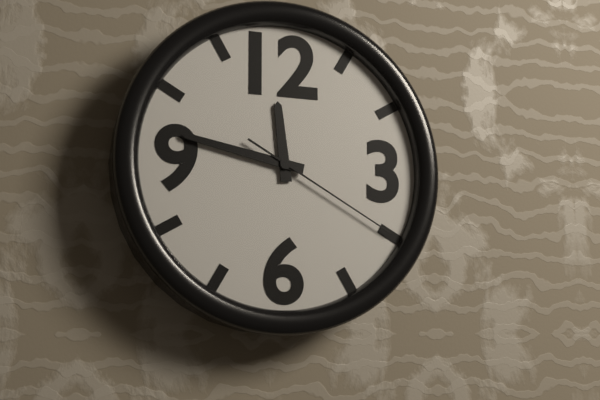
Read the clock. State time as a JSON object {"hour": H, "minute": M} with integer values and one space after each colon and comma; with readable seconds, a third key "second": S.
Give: {"hour": 11, "minute": 47, "second": 20}
